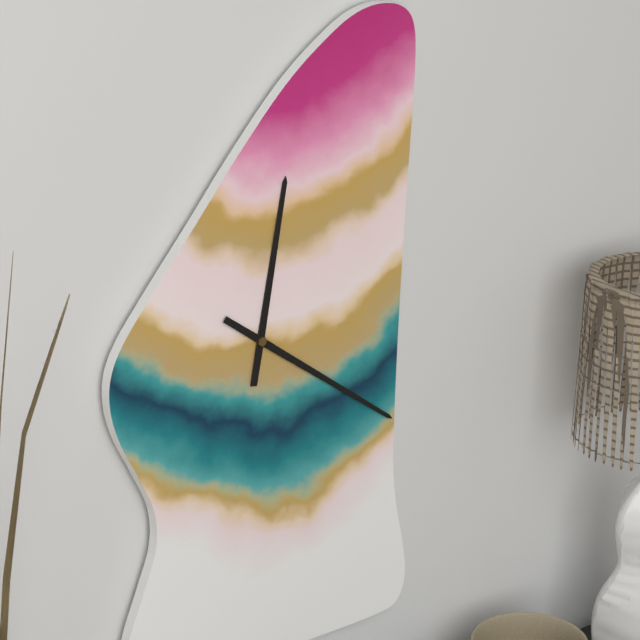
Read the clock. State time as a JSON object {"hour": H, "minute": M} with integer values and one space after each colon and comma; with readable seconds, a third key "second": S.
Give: {"hour": 12, "minute": 21}
